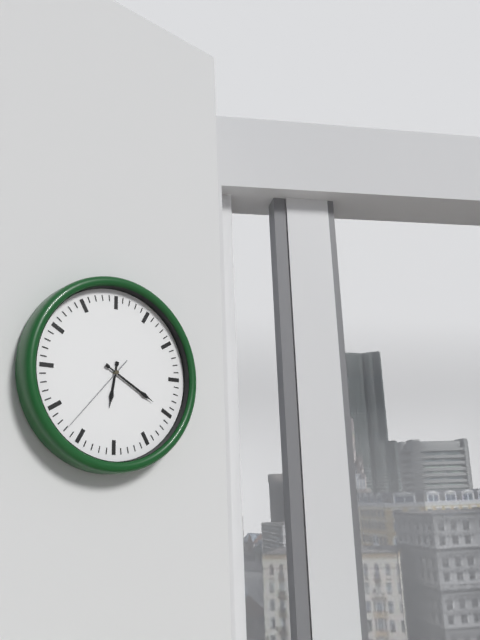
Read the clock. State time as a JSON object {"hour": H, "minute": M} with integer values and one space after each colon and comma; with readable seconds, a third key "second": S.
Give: {"hour": 6, "minute": 20, "second": 37}
